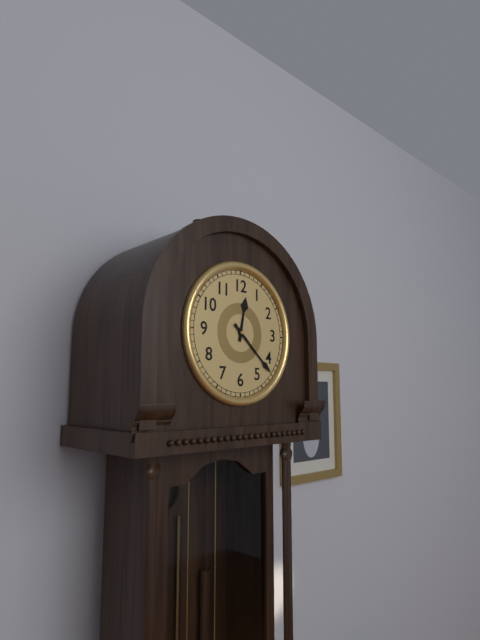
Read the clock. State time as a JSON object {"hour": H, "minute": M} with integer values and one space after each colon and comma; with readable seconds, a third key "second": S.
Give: {"hour": 12, "minute": 22}
